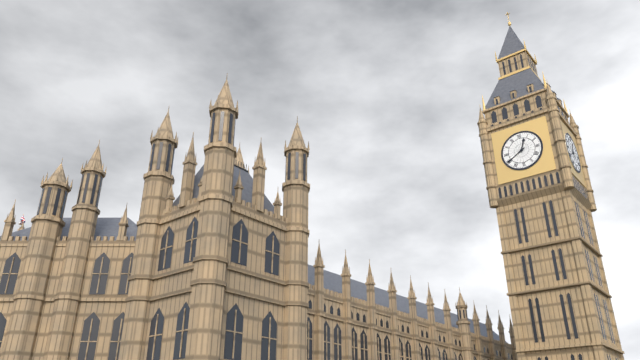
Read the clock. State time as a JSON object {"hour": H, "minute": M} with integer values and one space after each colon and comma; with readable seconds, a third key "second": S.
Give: {"hour": 12, "minute": 40}
